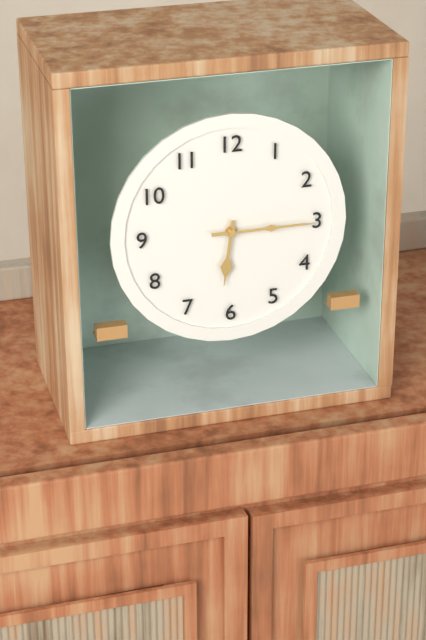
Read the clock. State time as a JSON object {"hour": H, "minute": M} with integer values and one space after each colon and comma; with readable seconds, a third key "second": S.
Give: {"hour": 6, "minute": 15}
